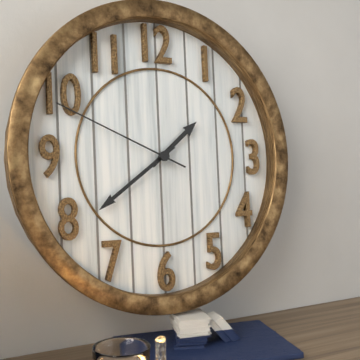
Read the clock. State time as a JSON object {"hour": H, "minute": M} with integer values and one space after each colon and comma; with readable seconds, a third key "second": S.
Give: {"hour": 1, "minute": 39, "second": 49}
